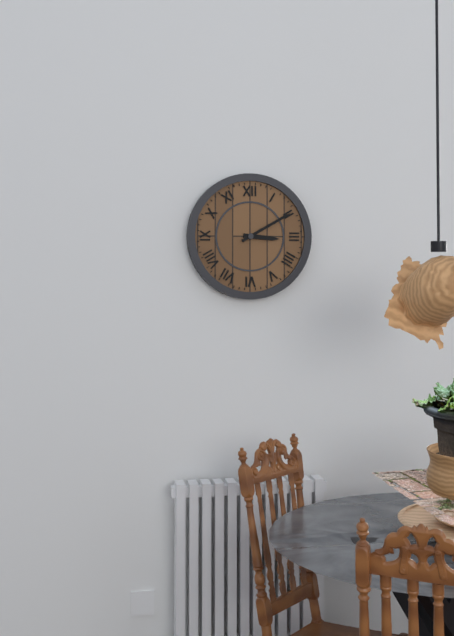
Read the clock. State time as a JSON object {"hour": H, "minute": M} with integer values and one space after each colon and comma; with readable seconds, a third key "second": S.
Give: {"hour": 3, "minute": 10}
